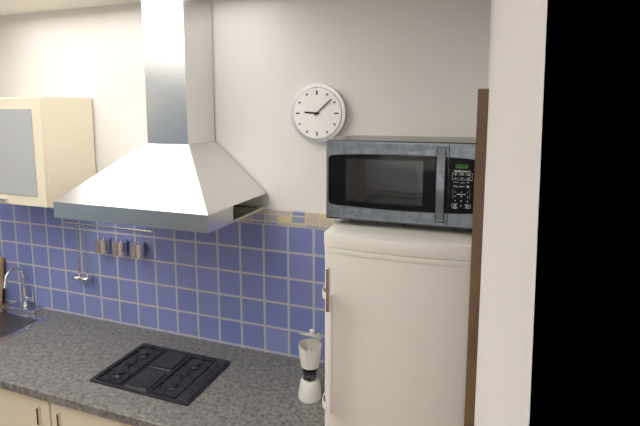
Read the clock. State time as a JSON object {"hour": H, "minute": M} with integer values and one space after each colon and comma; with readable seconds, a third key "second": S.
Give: {"hour": 9, "minute": 8}
